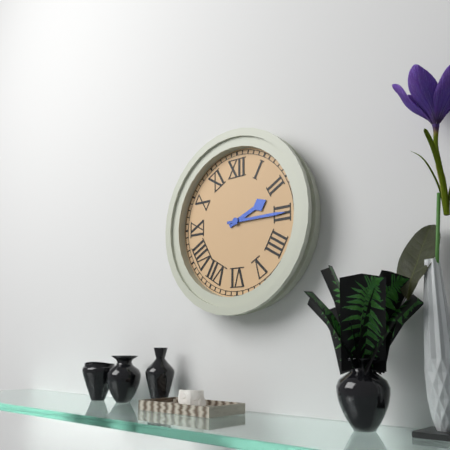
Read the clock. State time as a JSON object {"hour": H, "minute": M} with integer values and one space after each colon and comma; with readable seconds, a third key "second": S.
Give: {"hour": 2, "minute": 15}
